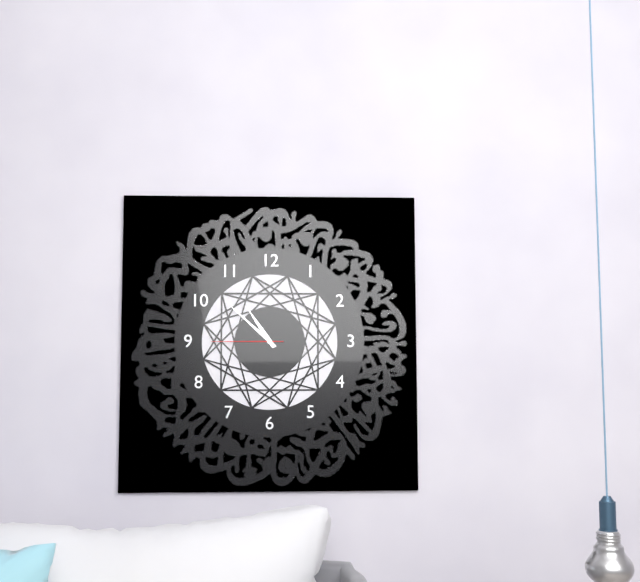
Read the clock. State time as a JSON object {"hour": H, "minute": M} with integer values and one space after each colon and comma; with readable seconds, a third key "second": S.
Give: {"hour": 10, "minute": 52, "second": 45}
